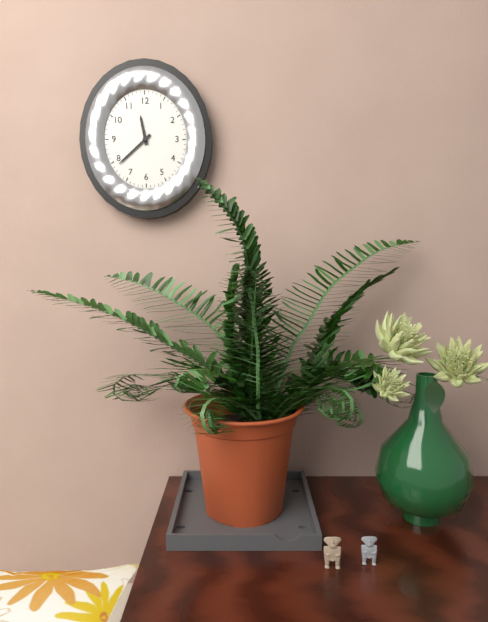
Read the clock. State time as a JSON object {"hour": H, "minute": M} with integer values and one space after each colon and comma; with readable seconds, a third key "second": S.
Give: {"hour": 11, "minute": 38}
